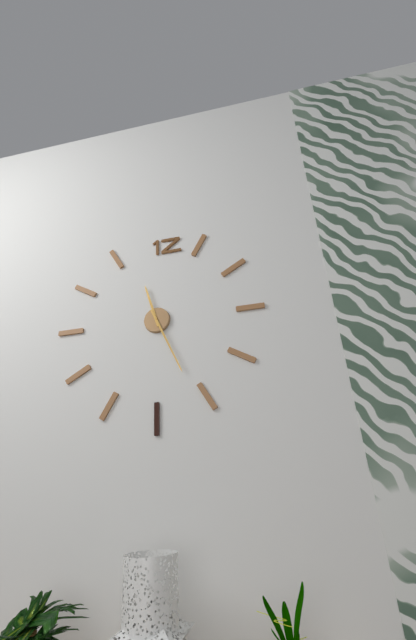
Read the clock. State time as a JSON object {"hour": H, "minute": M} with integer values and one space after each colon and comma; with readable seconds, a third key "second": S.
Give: {"hour": 11, "minute": 26}
